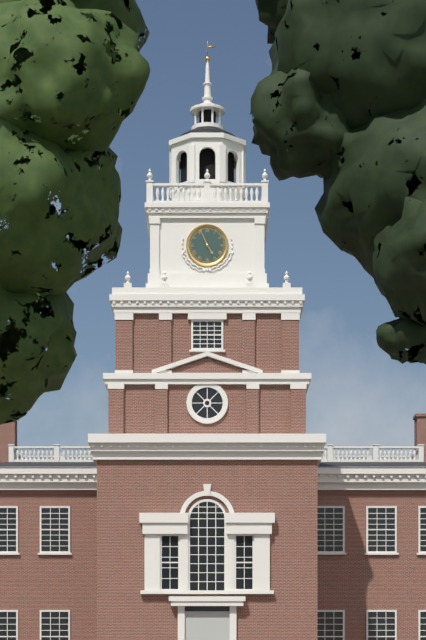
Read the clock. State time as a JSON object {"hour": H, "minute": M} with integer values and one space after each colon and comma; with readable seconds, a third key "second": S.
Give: {"hour": 4, "minute": 56}
